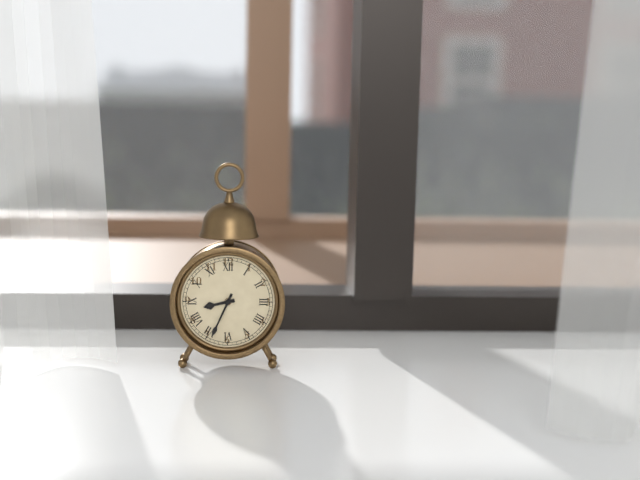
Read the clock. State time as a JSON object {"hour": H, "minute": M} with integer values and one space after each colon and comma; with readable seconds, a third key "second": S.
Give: {"hour": 8, "minute": 34}
